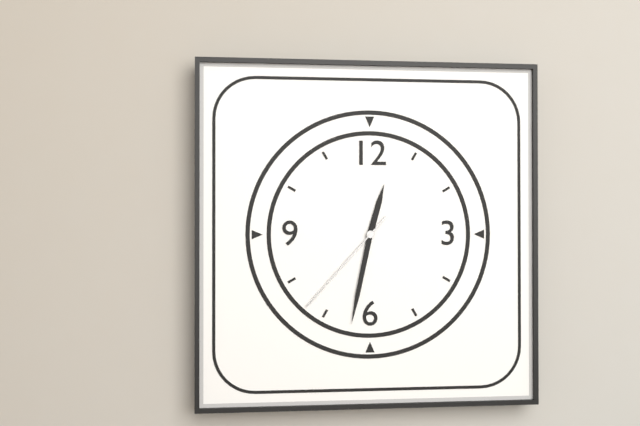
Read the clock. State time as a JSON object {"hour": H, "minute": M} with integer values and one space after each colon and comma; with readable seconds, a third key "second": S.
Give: {"hour": 12, "minute": 32, "second": 37}
